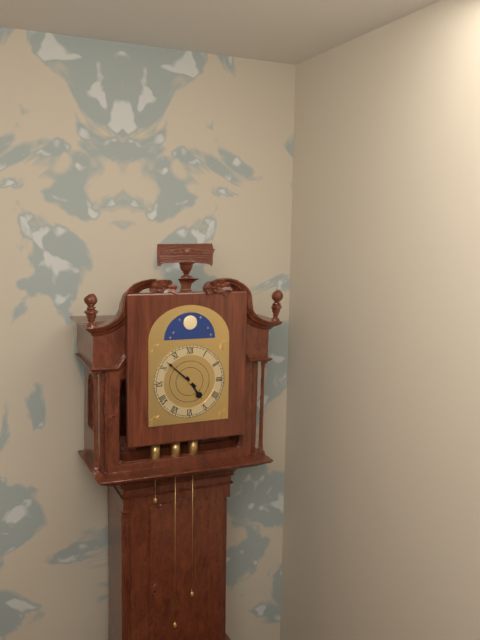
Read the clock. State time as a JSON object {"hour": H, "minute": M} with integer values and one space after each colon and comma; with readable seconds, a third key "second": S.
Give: {"hour": 4, "minute": 52}
